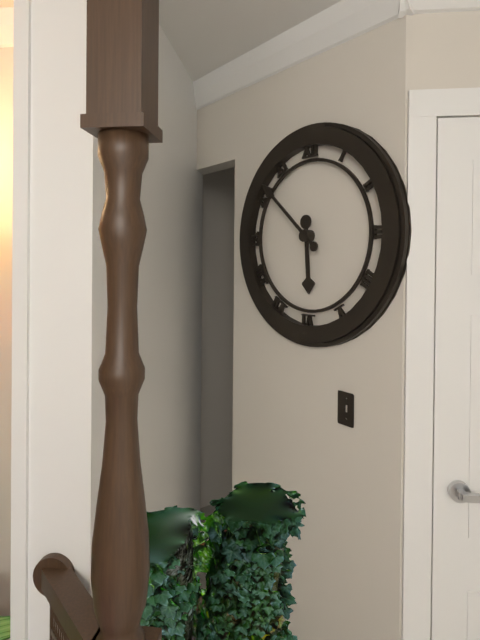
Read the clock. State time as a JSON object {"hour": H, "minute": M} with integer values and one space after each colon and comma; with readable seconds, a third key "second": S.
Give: {"hour": 5, "minute": 52}
